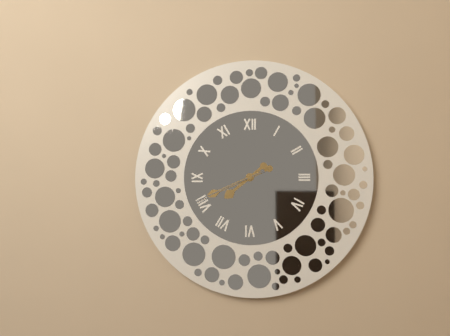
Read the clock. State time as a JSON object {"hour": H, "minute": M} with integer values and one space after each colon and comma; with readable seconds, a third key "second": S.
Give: {"hour": 7, "minute": 41, "second": 41}
